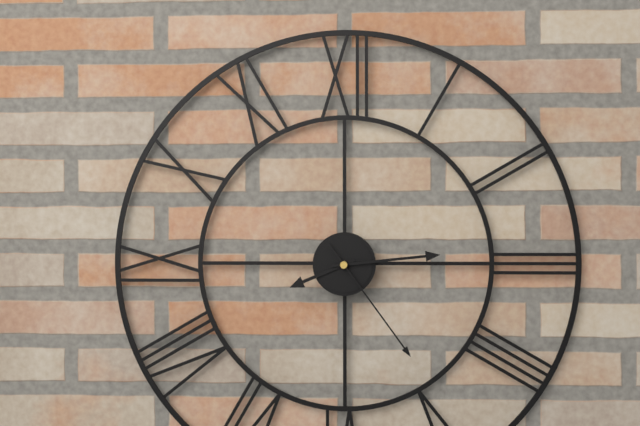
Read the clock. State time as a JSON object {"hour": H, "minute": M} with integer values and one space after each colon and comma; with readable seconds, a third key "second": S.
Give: {"hour": 8, "minute": 14, "second": 24}
